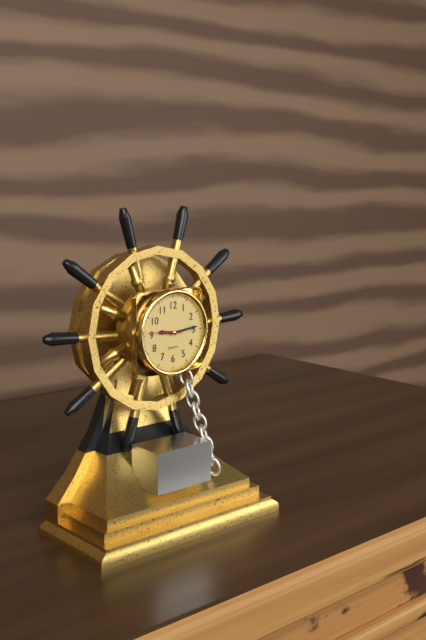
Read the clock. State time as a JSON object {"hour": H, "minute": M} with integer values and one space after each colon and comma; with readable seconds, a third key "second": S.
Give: {"hour": 9, "minute": 14}
